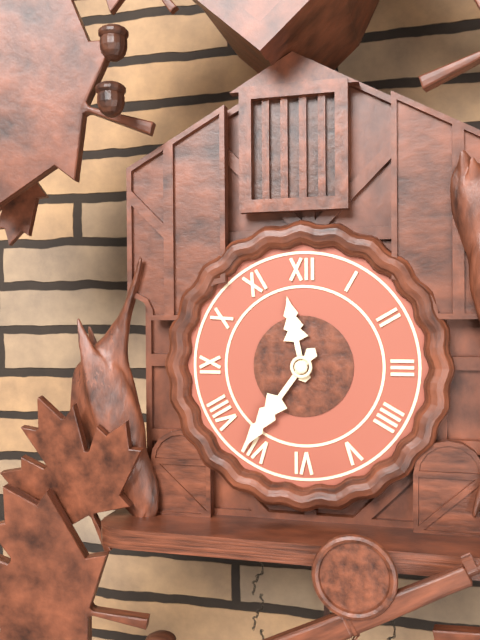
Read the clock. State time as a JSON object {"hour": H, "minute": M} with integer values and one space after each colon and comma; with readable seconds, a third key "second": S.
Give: {"hour": 11, "minute": 36}
